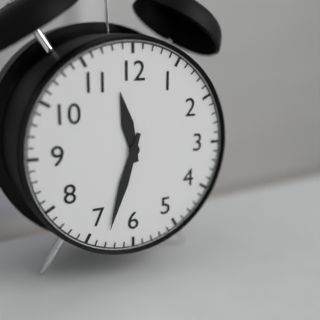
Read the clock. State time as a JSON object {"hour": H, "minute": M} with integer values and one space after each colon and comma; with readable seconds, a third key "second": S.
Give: {"hour": 11, "minute": 33}
